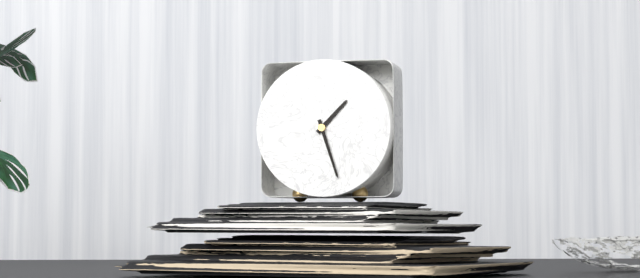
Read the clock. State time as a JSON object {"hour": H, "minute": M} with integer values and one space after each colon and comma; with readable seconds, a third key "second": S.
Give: {"hour": 1, "minute": 27}
